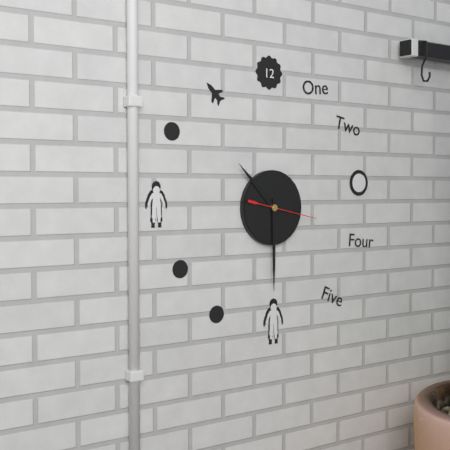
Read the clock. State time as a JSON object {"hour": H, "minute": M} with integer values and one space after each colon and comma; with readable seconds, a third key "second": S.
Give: {"hour": 10, "minute": 30, "second": 17}
